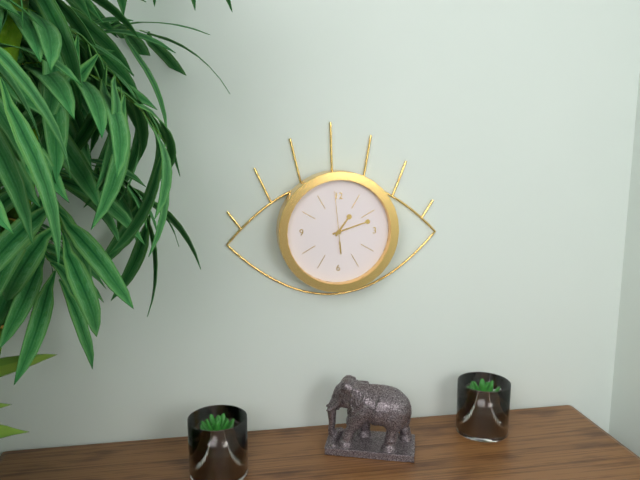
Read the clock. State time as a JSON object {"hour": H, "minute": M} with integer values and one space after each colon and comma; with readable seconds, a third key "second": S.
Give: {"hour": 1, "minute": 12, "second": 59}
